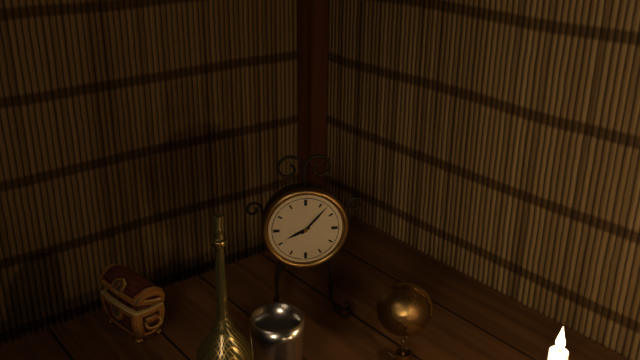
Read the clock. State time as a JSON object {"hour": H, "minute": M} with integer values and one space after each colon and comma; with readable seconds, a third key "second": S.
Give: {"hour": 8, "minute": 7}
